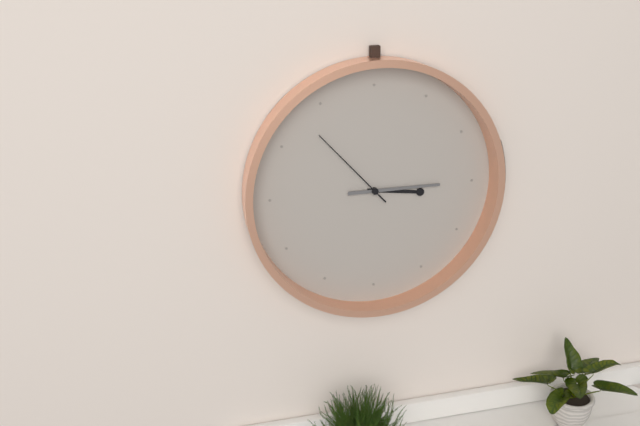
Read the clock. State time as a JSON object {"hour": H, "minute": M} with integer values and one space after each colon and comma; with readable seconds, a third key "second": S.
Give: {"hour": 3, "minute": 15, "second": 53}
